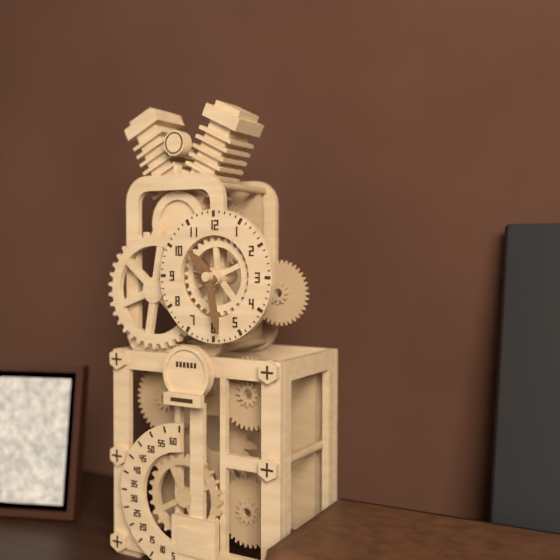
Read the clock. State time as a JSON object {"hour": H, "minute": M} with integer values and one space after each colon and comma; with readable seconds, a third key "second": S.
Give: {"hour": 10, "minute": 28}
